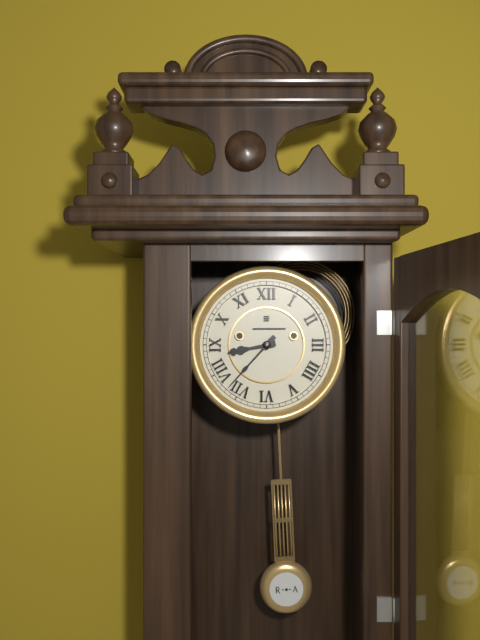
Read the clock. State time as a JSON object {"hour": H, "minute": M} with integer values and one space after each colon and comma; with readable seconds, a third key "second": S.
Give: {"hour": 8, "minute": 37}
